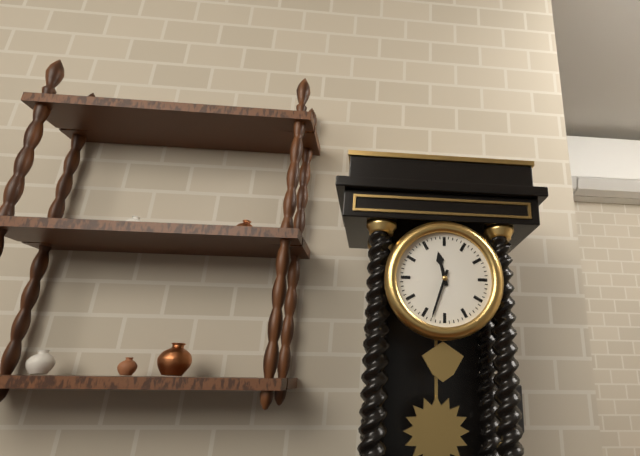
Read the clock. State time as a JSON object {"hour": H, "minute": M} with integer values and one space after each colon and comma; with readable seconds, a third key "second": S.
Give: {"hour": 11, "minute": 33}
